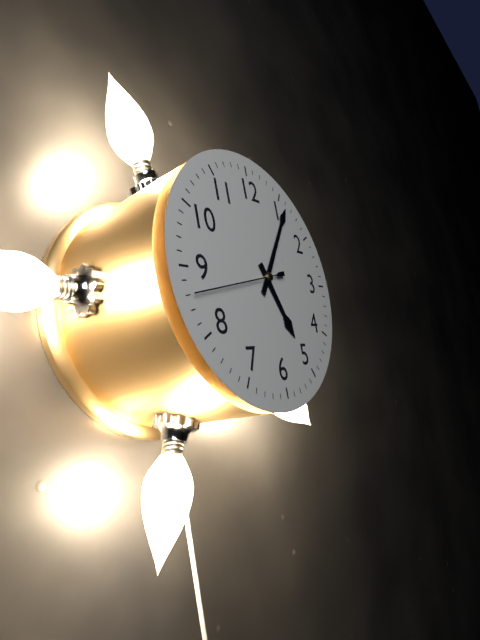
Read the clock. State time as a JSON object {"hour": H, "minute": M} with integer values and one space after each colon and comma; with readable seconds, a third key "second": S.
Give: {"hour": 5, "minute": 6, "second": 43}
